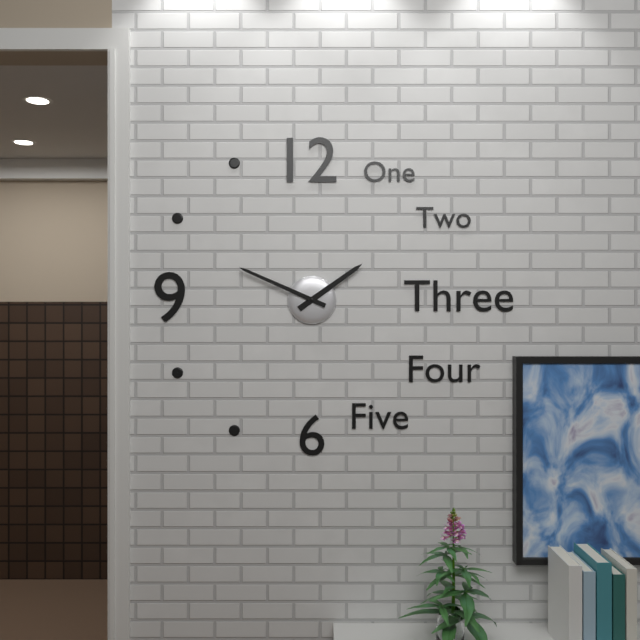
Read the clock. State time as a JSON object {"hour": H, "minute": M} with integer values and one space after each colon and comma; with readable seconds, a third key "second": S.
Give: {"hour": 1, "minute": 49}
